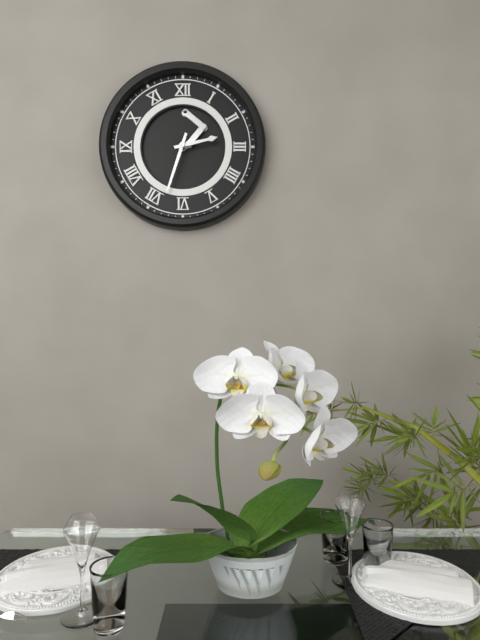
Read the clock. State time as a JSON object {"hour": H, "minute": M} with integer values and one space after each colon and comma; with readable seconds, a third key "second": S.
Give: {"hour": 2, "minute": 33}
